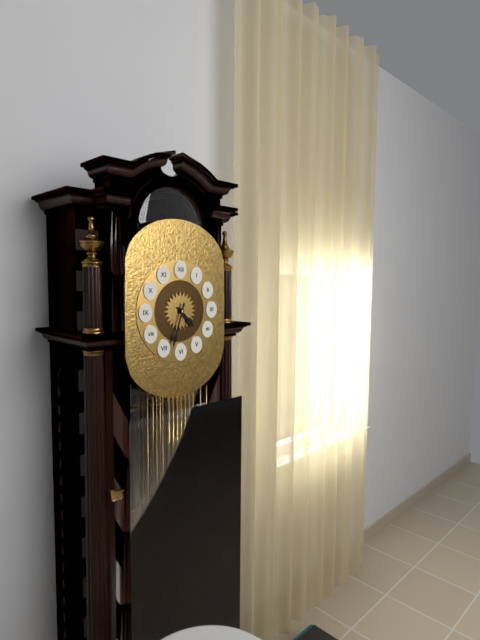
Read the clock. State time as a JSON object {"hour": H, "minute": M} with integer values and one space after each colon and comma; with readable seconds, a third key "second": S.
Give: {"hour": 4, "minute": 33}
